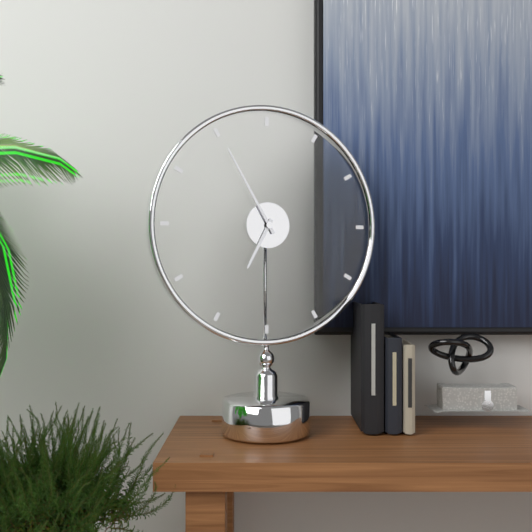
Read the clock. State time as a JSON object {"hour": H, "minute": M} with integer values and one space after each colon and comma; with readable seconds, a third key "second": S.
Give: {"hour": 6, "minute": 55}
